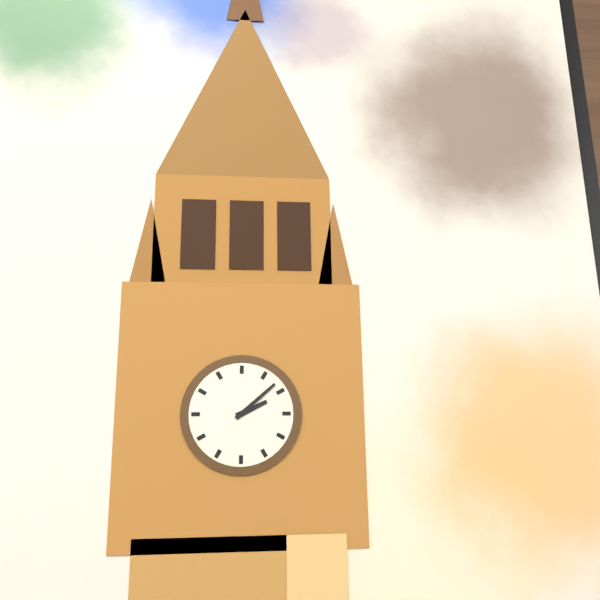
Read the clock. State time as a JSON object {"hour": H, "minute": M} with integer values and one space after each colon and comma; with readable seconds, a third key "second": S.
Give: {"hour": 2, "minute": 8}
